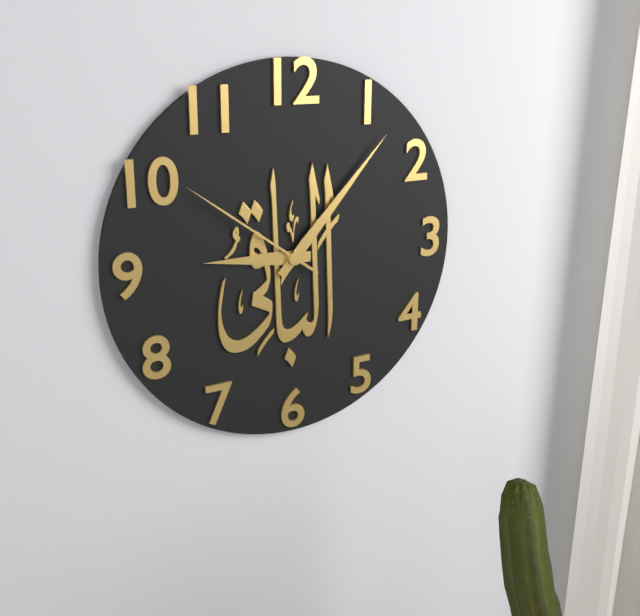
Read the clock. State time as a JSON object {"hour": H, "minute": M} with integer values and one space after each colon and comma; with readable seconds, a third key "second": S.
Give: {"hour": 9, "minute": 7, "second": 51}
